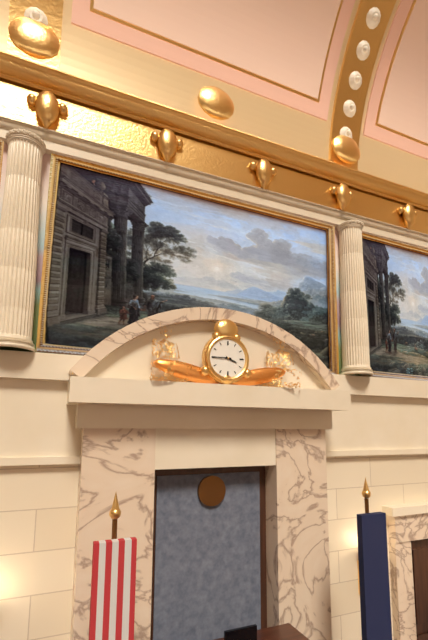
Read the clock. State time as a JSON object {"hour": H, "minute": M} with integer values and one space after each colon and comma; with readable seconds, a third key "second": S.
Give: {"hour": 3, "minute": 45}
